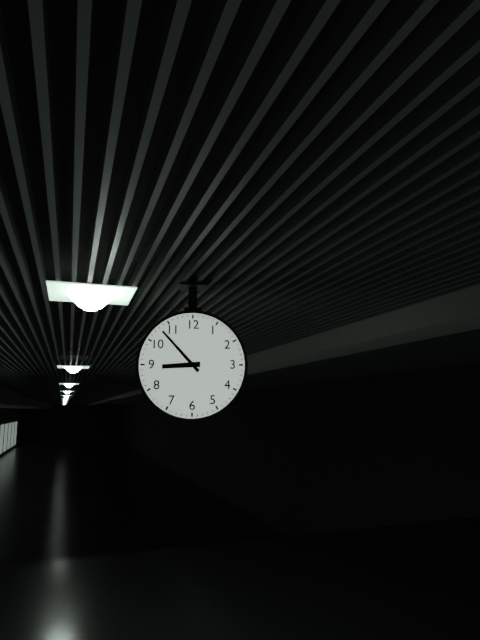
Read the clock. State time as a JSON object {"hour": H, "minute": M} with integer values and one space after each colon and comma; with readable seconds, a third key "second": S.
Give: {"hour": 8, "minute": 53}
